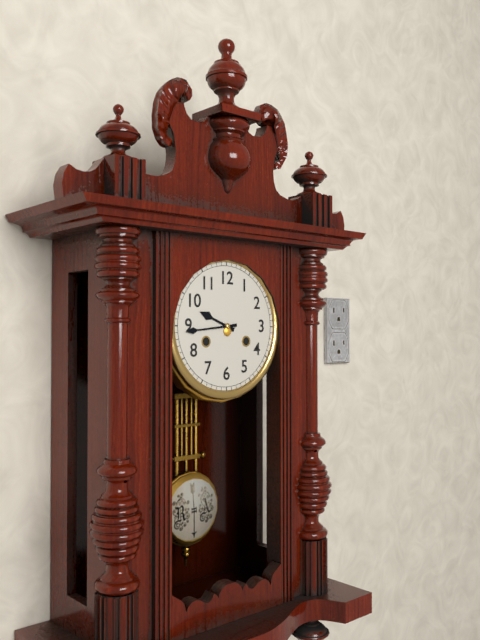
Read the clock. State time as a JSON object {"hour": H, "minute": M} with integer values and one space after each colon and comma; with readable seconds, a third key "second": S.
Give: {"hour": 9, "minute": 44}
